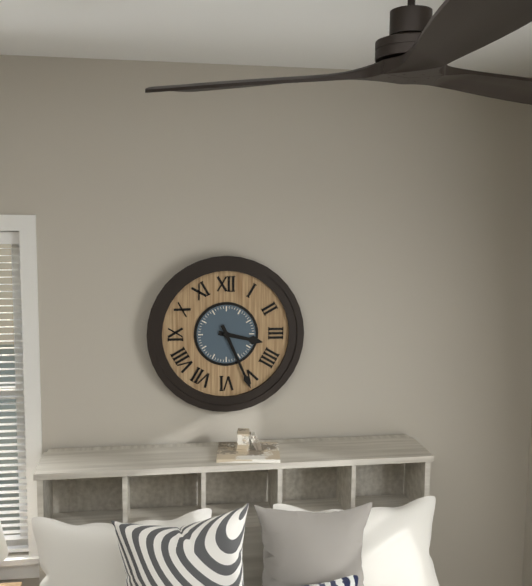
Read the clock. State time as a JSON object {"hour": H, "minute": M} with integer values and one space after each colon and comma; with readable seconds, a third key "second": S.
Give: {"hour": 3, "minute": 26}
